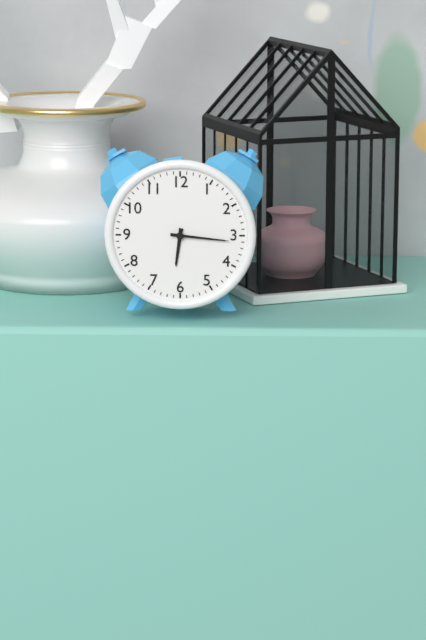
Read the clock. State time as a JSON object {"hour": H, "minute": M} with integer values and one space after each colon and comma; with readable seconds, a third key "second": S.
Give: {"hour": 6, "minute": 16}
